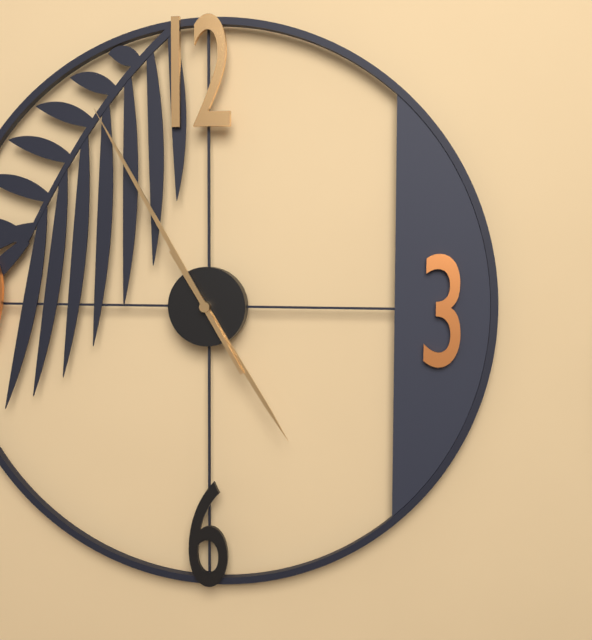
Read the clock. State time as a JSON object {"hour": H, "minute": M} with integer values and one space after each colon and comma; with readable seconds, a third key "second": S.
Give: {"hour": 4, "minute": 55}
